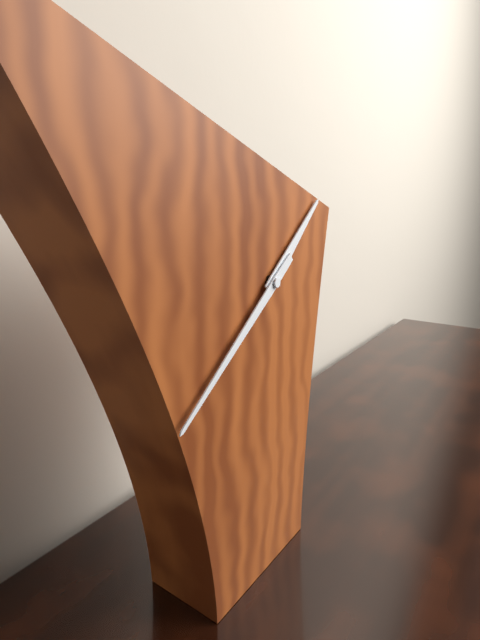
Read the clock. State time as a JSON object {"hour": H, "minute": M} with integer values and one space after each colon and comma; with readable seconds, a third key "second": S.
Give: {"hour": 1, "minute": 39}
